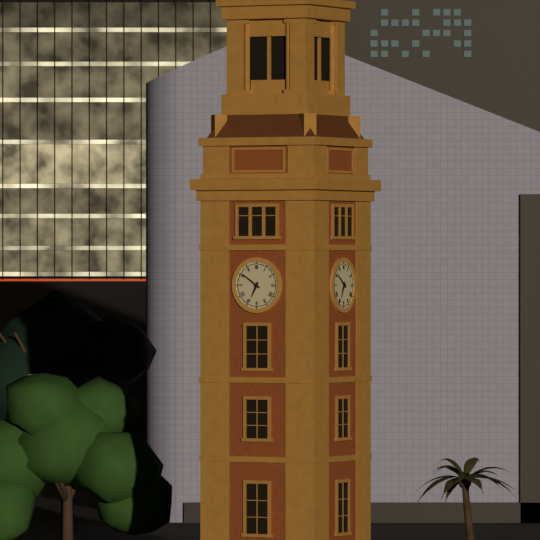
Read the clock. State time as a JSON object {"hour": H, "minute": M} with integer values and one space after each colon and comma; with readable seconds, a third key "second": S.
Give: {"hour": 6, "minute": 51}
